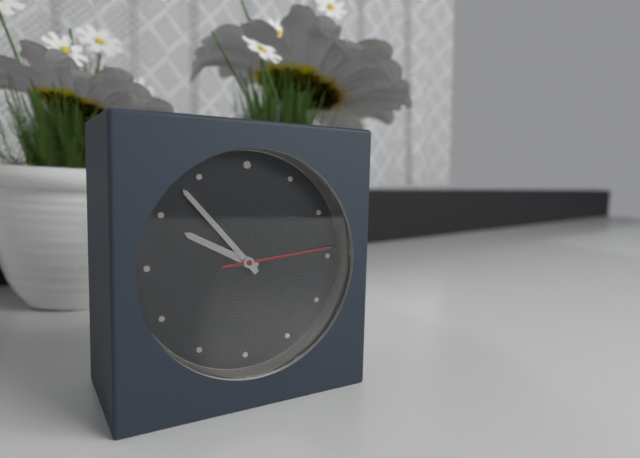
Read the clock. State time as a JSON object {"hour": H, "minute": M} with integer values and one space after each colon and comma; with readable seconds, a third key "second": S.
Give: {"hour": 9, "minute": 53, "second": 14}
